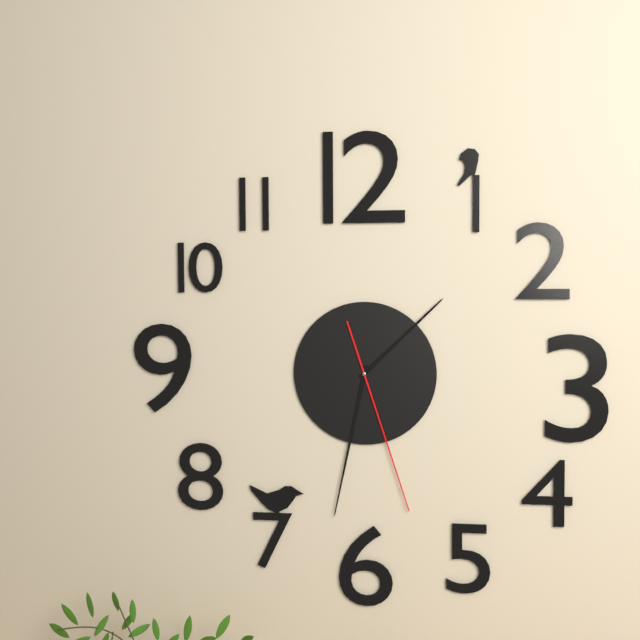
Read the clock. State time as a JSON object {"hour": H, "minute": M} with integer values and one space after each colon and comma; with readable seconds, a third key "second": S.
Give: {"hour": 1, "minute": 32, "second": 27}
